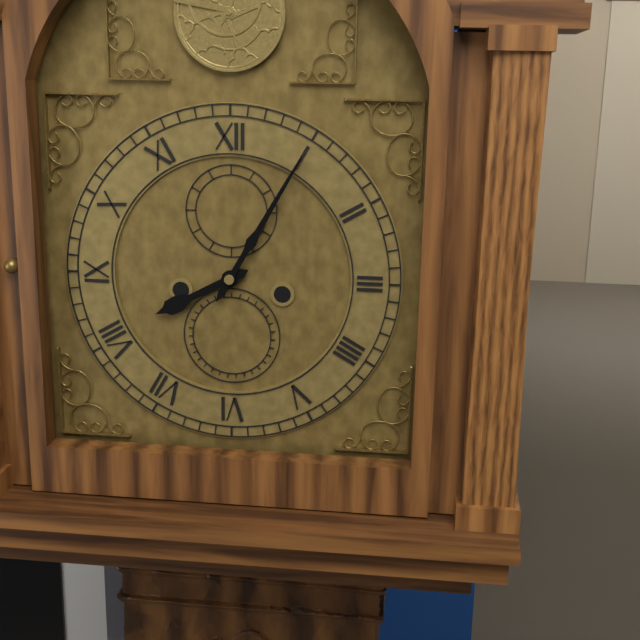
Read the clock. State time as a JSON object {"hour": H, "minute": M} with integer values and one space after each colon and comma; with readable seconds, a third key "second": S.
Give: {"hour": 8, "minute": 5}
